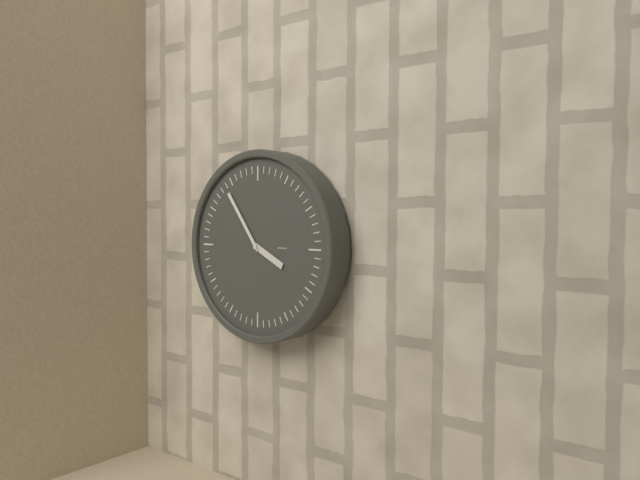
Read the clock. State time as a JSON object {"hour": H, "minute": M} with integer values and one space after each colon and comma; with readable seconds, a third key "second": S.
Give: {"hour": 3, "minute": 54}
